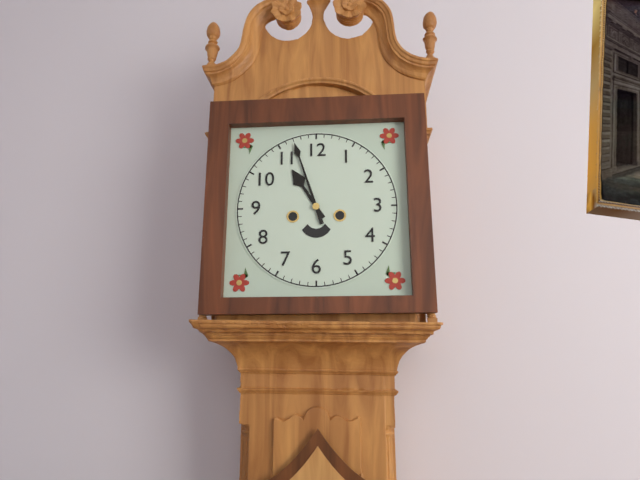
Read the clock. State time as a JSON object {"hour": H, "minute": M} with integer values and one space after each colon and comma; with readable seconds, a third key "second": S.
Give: {"hour": 10, "minute": 57}
